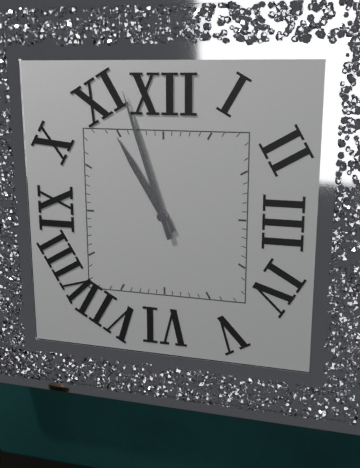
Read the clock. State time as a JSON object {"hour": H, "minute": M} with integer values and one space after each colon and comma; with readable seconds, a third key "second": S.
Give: {"hour": 10, "minute": 57}
